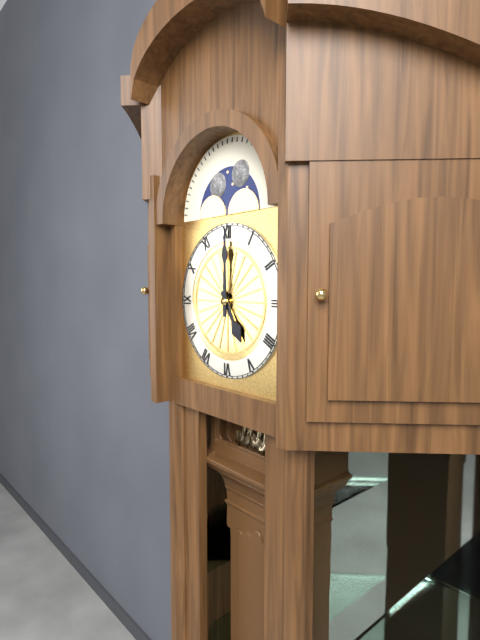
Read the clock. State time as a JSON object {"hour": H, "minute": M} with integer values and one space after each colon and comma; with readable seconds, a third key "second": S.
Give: {"hour": 5, "minute": 0}
